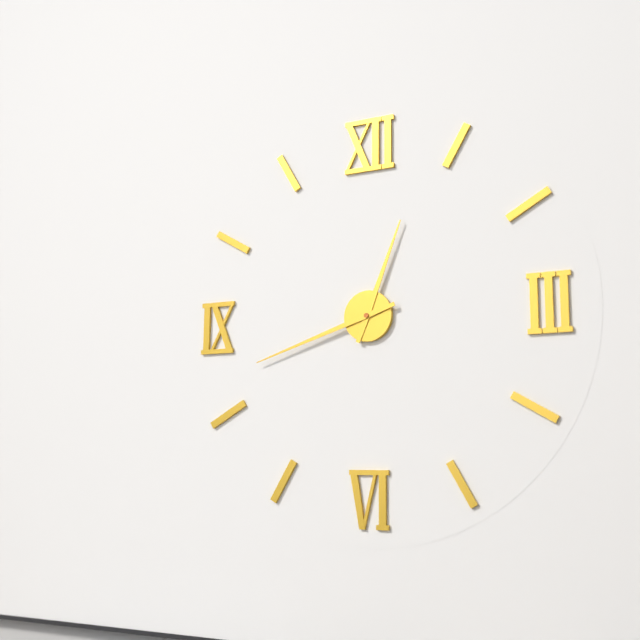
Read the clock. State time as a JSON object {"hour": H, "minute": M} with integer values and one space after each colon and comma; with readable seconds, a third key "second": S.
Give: {"hour": 12, "minute": 42}
